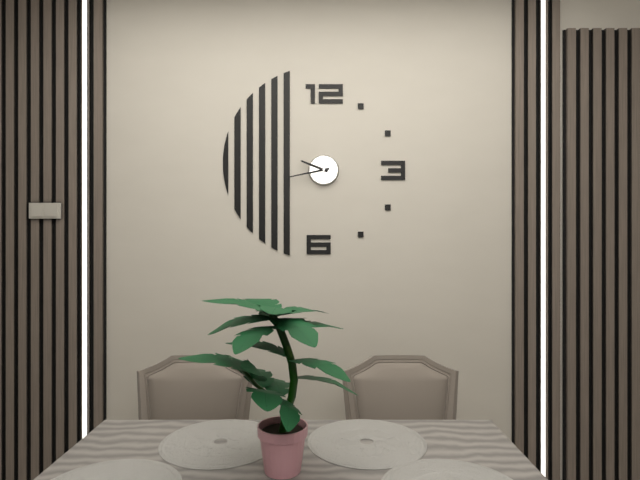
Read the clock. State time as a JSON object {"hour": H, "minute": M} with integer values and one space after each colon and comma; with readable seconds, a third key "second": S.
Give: {"hour": 9, "minute": 43}
